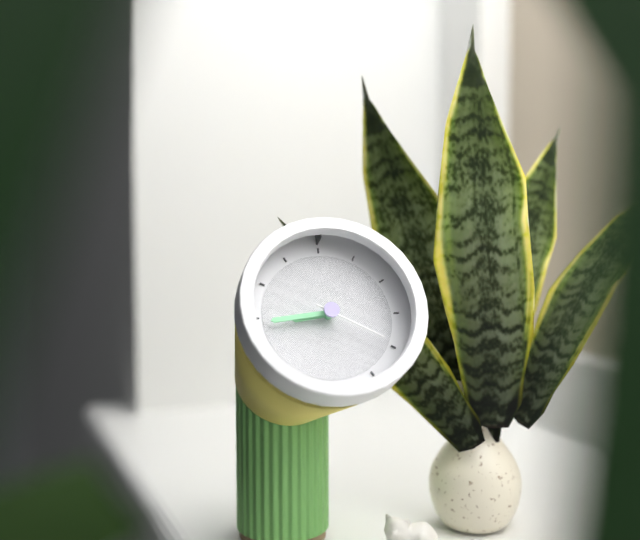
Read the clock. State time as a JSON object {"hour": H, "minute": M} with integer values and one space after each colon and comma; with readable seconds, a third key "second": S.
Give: {"hour": 8, "minute": 44, "second": 20}
